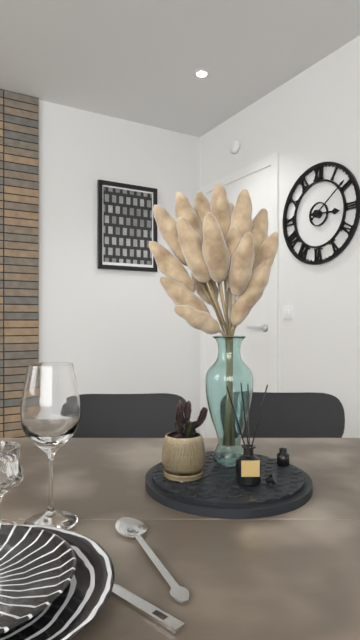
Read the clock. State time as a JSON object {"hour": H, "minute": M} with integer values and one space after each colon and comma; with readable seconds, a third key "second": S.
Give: {"hour": 3, "minute": 9}
